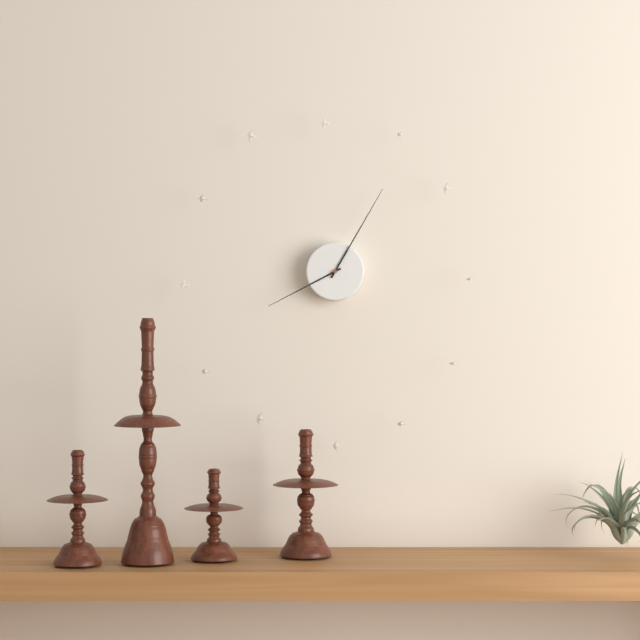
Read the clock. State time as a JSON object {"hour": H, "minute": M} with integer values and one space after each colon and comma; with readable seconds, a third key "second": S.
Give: {"hour": 8, "minute": 5}
